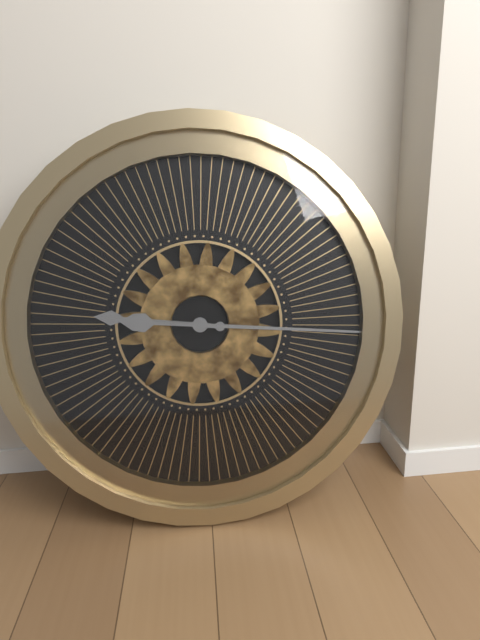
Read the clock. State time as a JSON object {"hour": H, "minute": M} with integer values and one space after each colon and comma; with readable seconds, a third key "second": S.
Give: {"hour": 9, "minute": 16}
